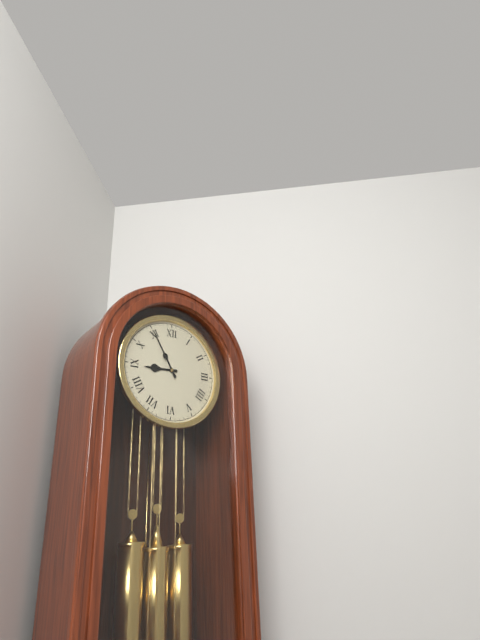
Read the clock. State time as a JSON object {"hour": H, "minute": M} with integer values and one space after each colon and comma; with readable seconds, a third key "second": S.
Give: {"hour": 8, "minute": 55}
